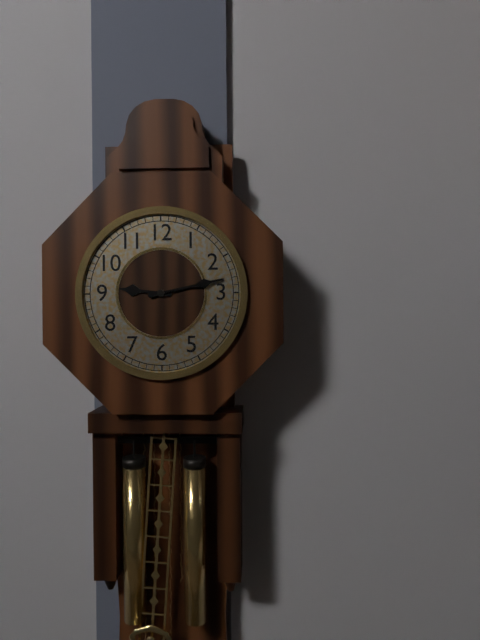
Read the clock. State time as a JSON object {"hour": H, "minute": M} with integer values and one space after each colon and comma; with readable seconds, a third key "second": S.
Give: {"hour": 9, "minute": 13}
